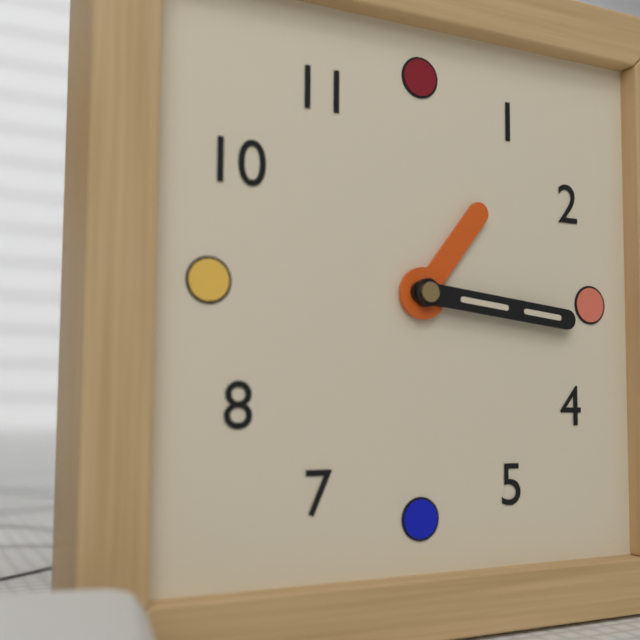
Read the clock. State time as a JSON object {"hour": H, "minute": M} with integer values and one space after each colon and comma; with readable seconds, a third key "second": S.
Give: {"hour": 1, "minute": 16}
